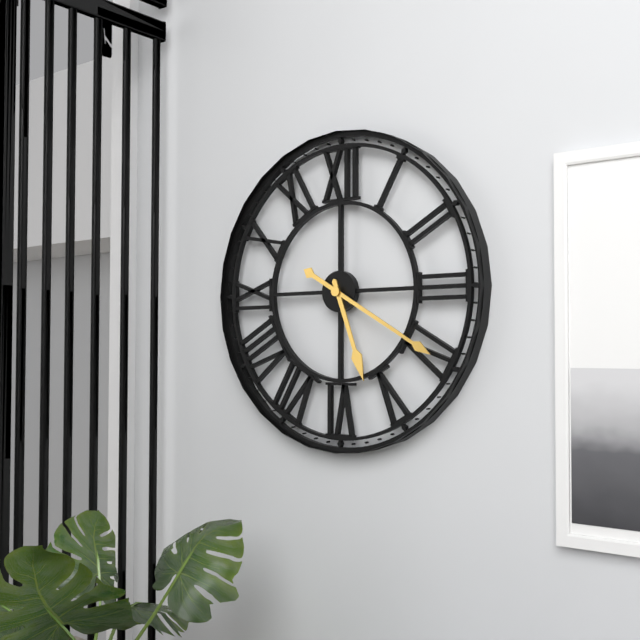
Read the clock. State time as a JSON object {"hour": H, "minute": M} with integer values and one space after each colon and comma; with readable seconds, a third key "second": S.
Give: {"hour": 5, "minute": 20}
